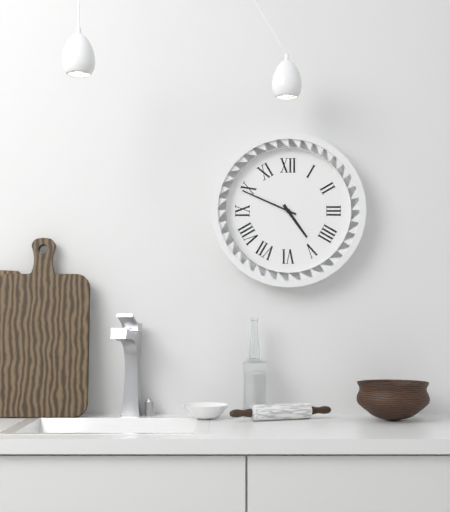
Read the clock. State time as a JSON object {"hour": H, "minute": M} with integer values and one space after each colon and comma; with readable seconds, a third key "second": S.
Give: {"hour": 4, "minute": 49}
